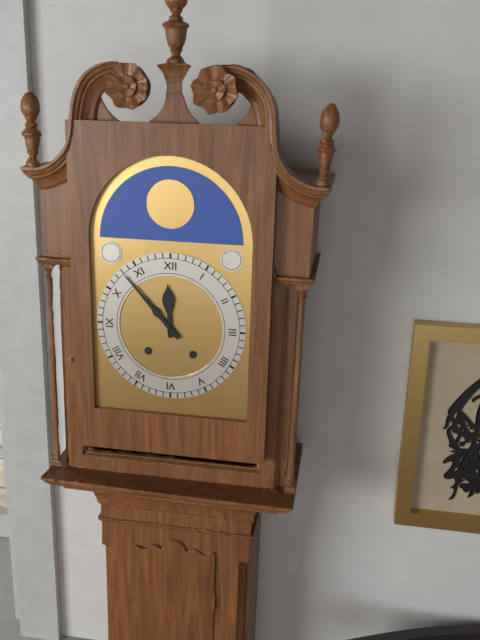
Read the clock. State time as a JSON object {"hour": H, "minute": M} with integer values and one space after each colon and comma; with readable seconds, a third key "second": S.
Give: {"hour": 11, "minute": 53}
